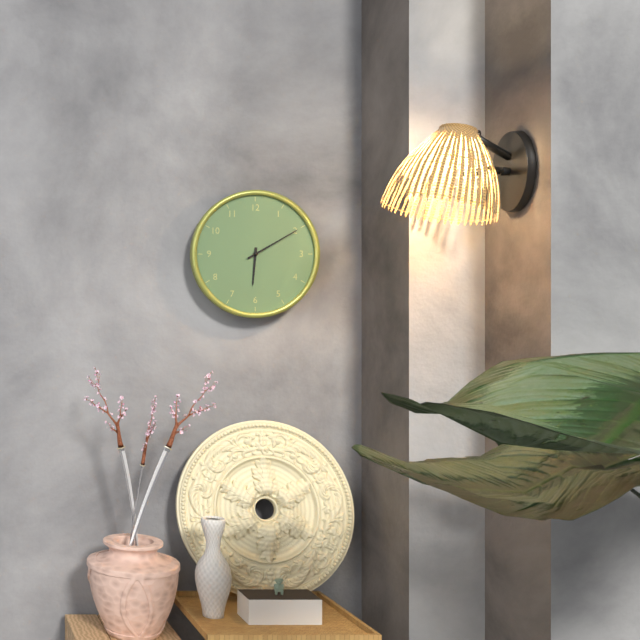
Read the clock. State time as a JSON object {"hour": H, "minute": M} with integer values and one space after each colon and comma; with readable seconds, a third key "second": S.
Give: {"hour": 6, "minute": 10}
